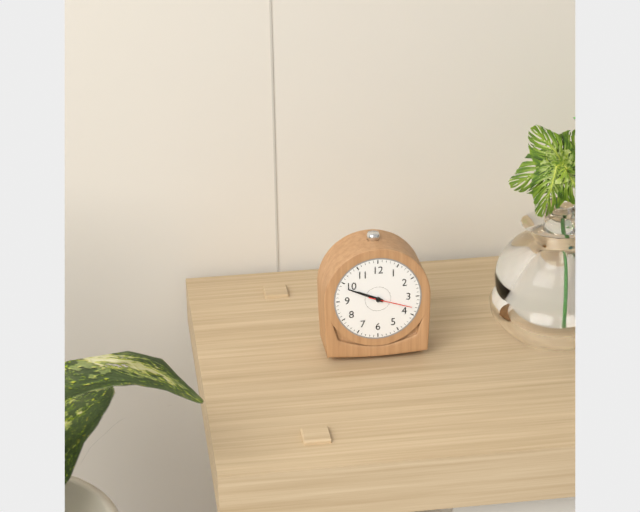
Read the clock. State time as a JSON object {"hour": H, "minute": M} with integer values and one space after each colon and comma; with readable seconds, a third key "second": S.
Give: {"hour": 9, "minute": 49}
